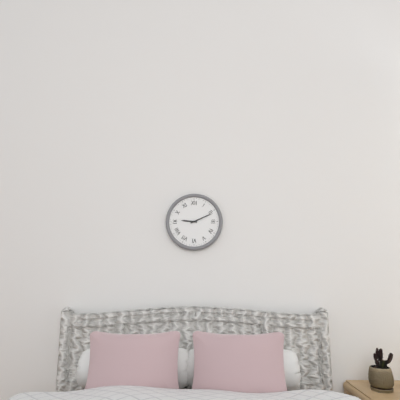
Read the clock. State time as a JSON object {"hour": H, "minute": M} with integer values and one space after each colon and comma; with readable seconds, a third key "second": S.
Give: {"hour": 9, "minute": 11}
